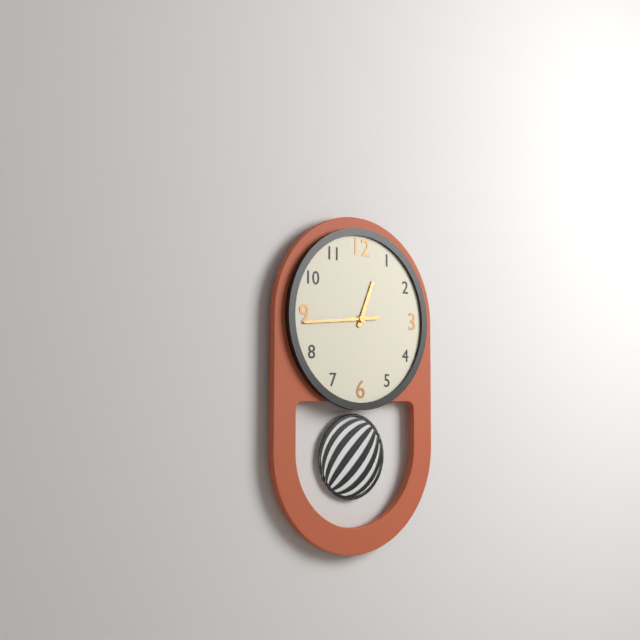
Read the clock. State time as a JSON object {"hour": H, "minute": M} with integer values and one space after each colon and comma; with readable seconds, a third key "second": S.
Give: {"hour": 12, "minute": 44}
